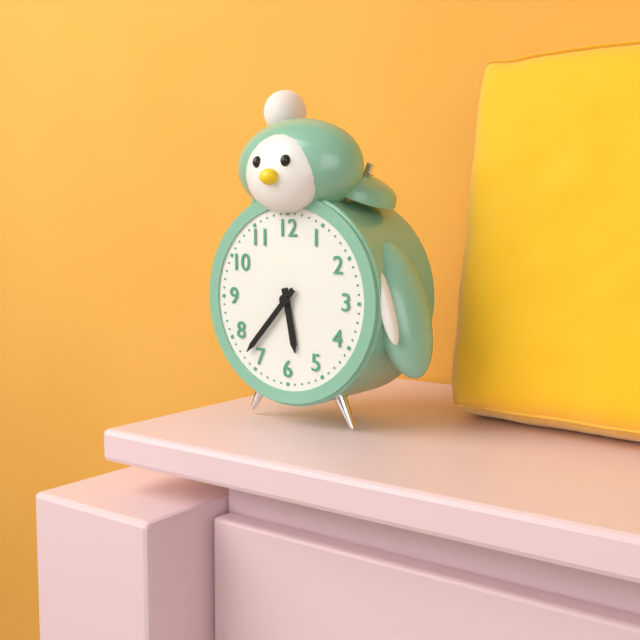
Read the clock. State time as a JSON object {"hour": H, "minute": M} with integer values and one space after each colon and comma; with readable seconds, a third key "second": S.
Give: {"hour": 5, "minute": 37}
